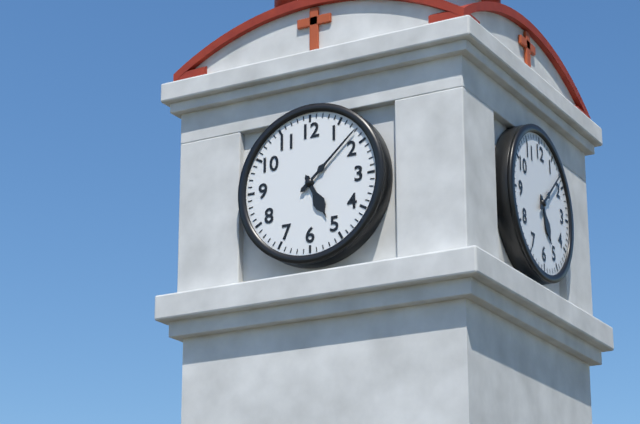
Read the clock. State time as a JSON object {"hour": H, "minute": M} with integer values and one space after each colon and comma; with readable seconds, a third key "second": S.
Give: {"hour": 5, "minute": 8}
